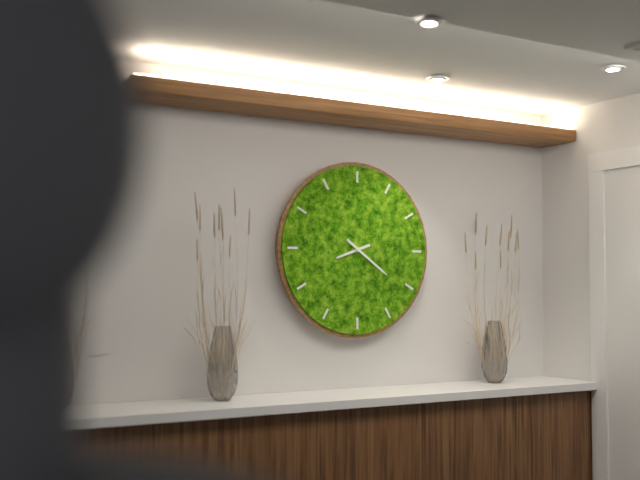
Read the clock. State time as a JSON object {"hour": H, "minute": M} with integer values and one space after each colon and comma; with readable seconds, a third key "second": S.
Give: {"hour": 8, "minute": 21}
